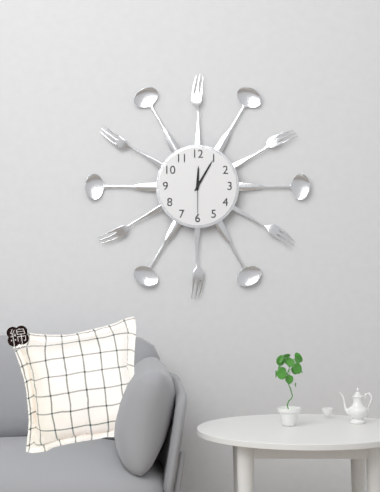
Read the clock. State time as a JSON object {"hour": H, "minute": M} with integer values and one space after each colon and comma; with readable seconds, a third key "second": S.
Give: {"hour": 12, "minute": 5}
